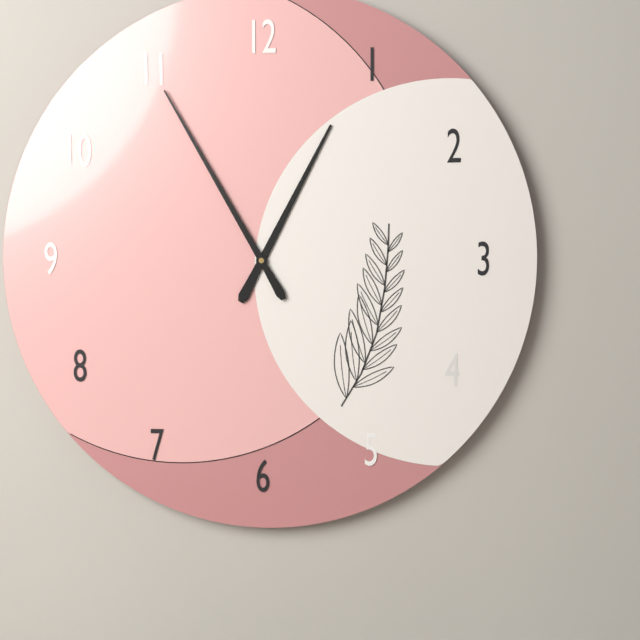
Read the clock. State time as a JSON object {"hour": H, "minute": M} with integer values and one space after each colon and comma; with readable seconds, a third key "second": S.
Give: {"hour": 12, "minute": 55}
